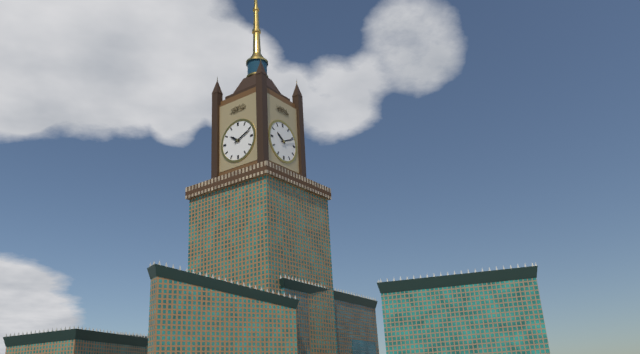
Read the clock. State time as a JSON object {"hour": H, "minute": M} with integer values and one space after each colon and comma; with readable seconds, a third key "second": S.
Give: {"hour": 10, "minute": 11}
